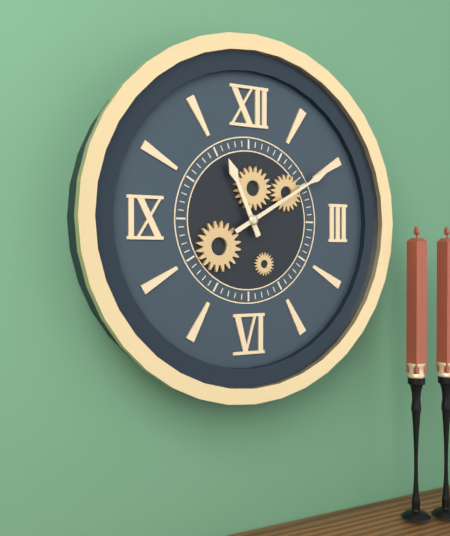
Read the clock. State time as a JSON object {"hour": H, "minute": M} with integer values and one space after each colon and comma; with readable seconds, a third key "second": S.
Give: {"hour": 11, "minute": 10}
